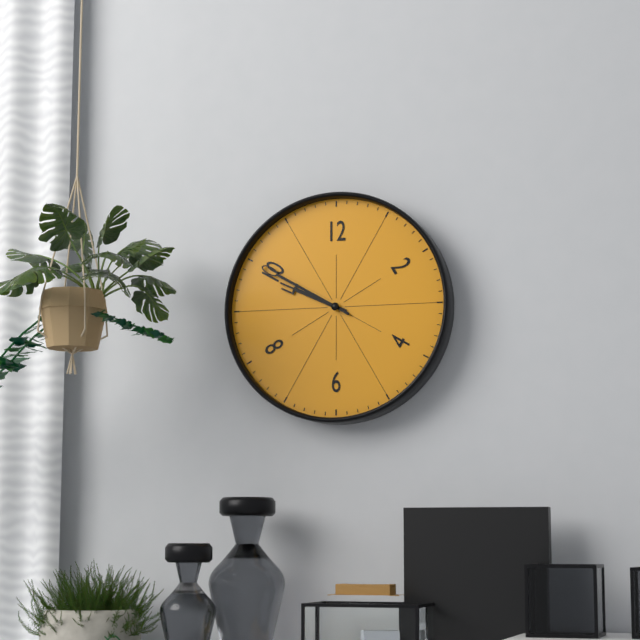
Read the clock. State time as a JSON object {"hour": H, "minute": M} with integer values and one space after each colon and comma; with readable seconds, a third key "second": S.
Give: {"hour": 9, "minute": 50}
